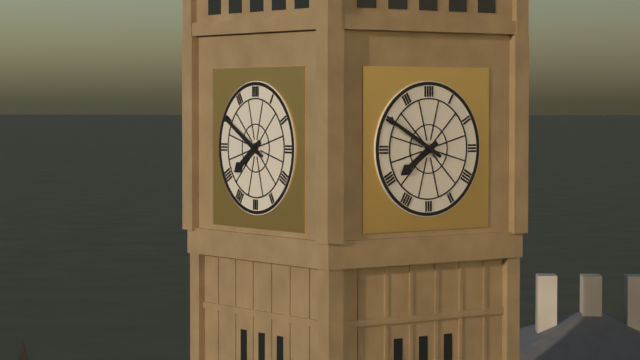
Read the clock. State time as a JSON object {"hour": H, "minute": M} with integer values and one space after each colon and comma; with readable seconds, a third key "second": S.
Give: {"hour": 7, "minute": 50}
